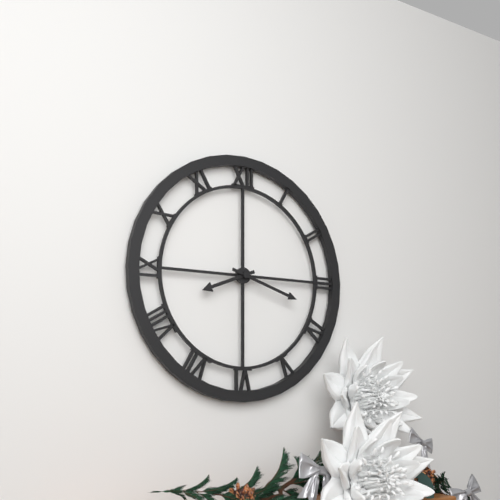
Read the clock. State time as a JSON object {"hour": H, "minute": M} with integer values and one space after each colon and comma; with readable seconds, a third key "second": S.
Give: {"hour": 8, "minute": 18}
